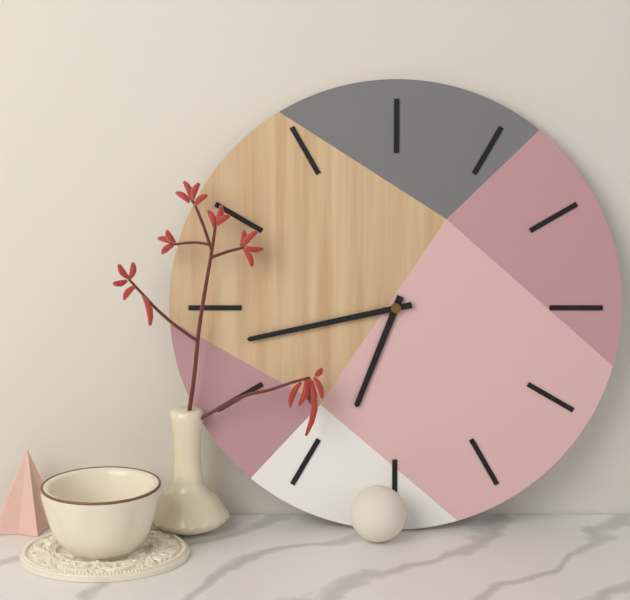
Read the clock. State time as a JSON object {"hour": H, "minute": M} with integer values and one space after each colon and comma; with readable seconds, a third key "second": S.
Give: {"hour": 6, "minute": 43}
